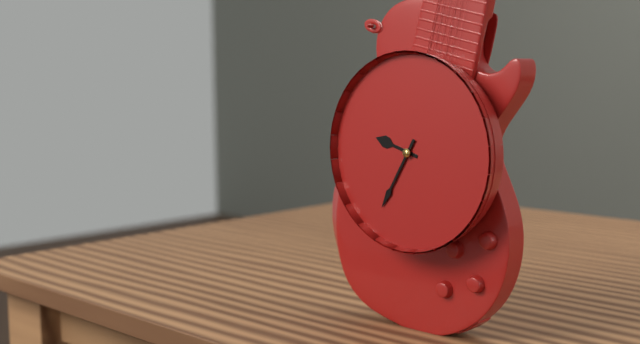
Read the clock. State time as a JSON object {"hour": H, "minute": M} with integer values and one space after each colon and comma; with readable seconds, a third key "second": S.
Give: {"hour": 9, "minute": 35}
